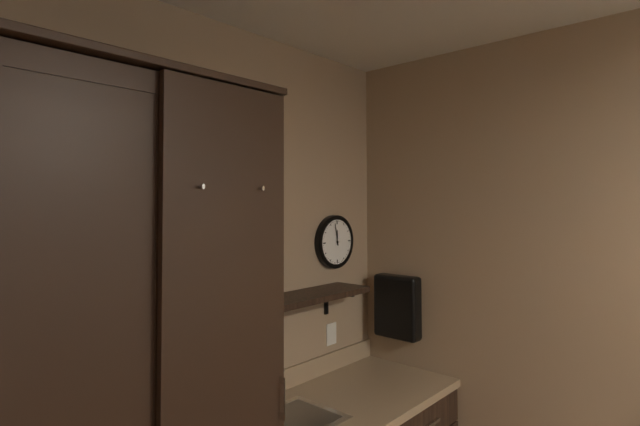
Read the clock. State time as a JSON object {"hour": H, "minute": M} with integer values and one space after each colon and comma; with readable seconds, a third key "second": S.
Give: {"hour": 11, "minute": 58}
